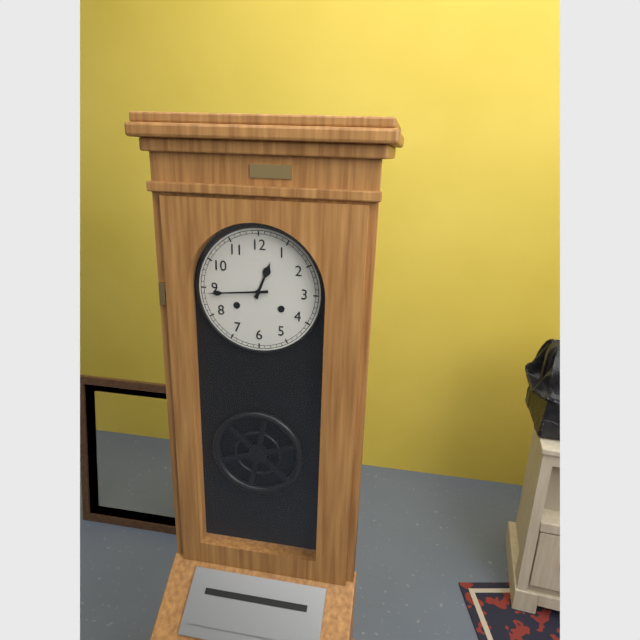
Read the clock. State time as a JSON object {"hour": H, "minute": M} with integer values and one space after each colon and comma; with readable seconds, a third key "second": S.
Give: {"hour": 12, "minute": 44}
